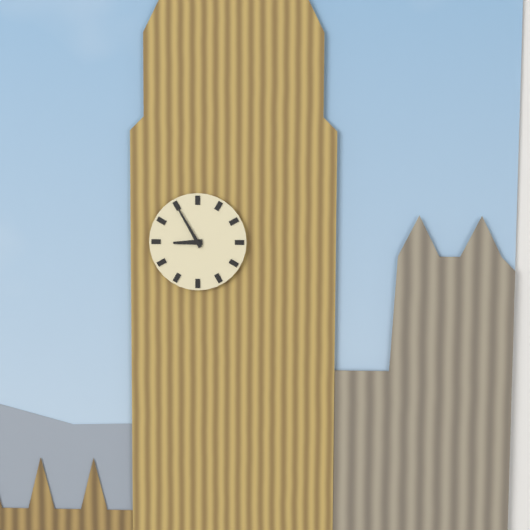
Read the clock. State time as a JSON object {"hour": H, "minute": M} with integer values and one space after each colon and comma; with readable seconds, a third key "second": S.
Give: {"hour": 8, "minute": 55}
